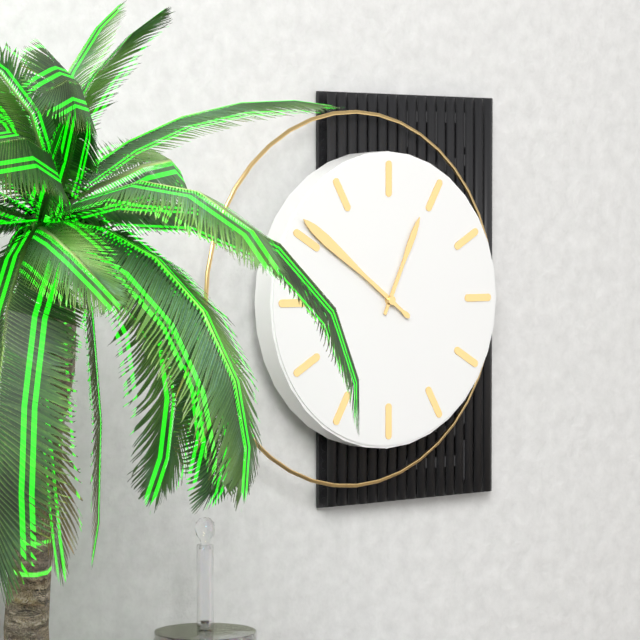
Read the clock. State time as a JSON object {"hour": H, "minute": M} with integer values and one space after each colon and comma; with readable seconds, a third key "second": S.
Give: {"hour": 12, "minute": 51}
